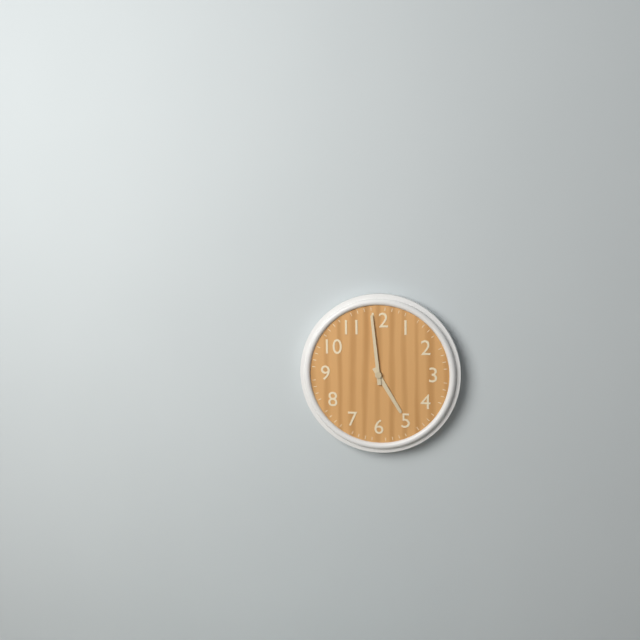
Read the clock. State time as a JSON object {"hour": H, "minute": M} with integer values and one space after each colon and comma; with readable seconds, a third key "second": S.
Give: {"hour": 4, "minute": 59}
